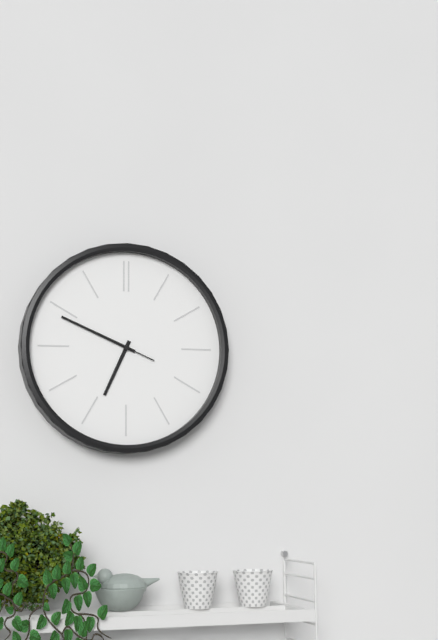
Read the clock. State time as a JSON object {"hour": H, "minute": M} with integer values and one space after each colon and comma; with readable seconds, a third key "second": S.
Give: {"hour": 6, "minute": 49, "second": 49}
